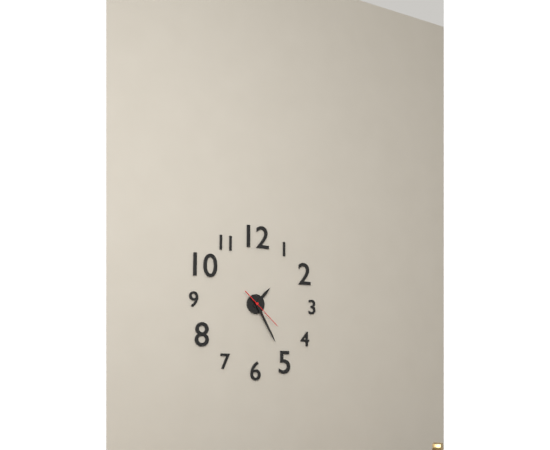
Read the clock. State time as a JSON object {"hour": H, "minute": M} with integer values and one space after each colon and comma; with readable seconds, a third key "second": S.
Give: {"hour": 1, "minute": 25}
